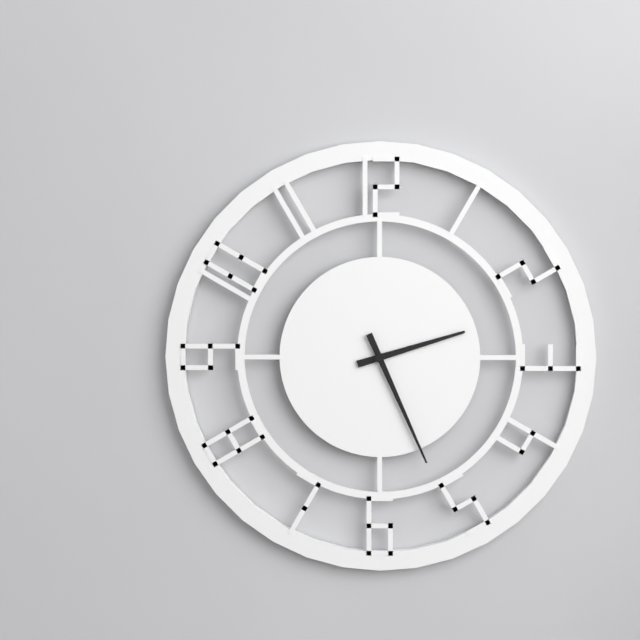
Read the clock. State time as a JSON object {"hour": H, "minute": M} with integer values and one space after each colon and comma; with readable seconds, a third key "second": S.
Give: {"hour": 2, "minute": 26}
